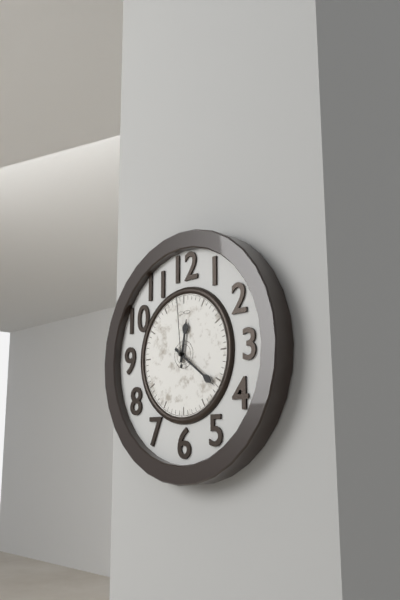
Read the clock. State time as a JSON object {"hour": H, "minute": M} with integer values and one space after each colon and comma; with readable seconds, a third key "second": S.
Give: {"hour": 12, "minute": 21, "second": 59}
